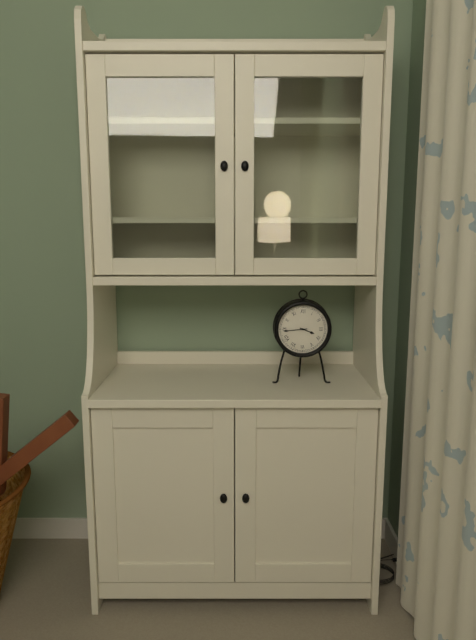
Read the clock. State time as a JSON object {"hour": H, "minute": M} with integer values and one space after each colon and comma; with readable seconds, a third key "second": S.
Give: {"hour": 3, "minute": 44}
